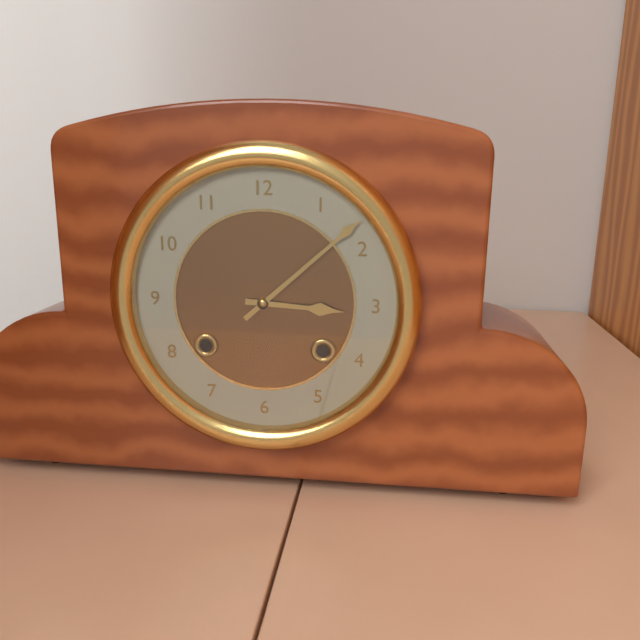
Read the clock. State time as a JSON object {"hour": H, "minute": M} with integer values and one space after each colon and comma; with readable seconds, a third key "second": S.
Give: {"hour": 3, "minute": 8}
